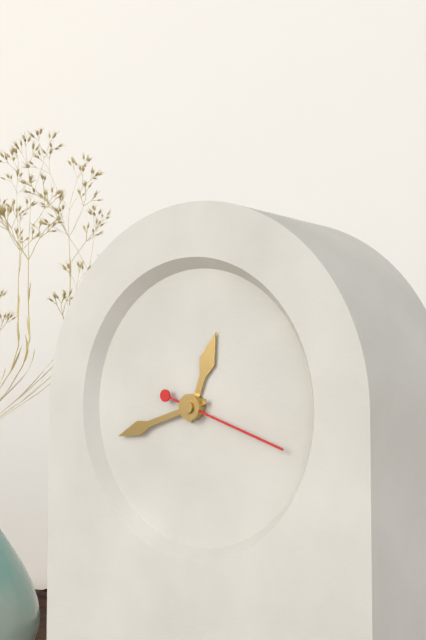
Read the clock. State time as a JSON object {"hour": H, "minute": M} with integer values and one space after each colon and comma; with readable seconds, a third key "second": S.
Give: {"hour": 12, "minute": 42, "second": 18}
